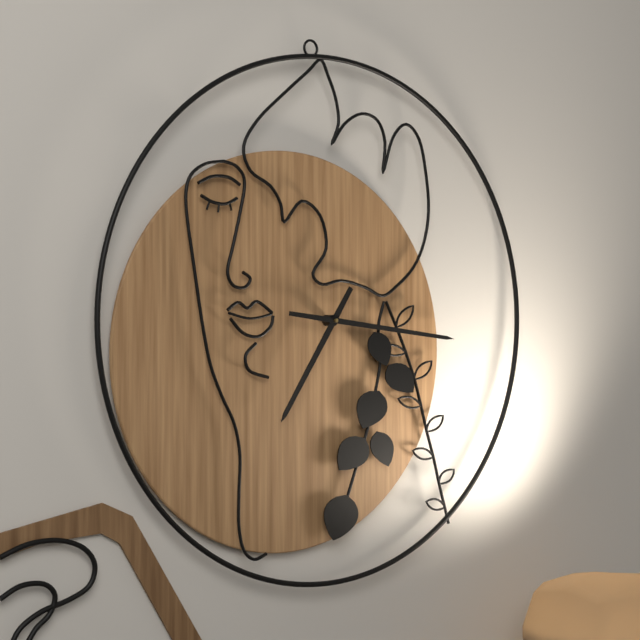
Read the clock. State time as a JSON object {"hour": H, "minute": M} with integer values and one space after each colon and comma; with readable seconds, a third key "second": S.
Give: {"hour": 7, "minute": 17}
